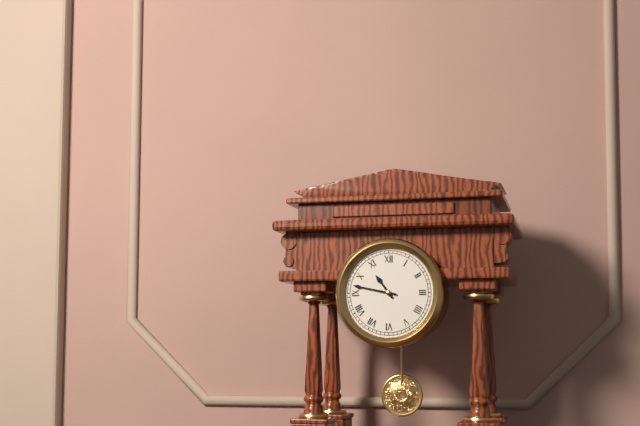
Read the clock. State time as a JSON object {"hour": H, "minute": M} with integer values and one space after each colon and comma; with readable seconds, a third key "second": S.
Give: {"hour": 10, "minute": 47}
